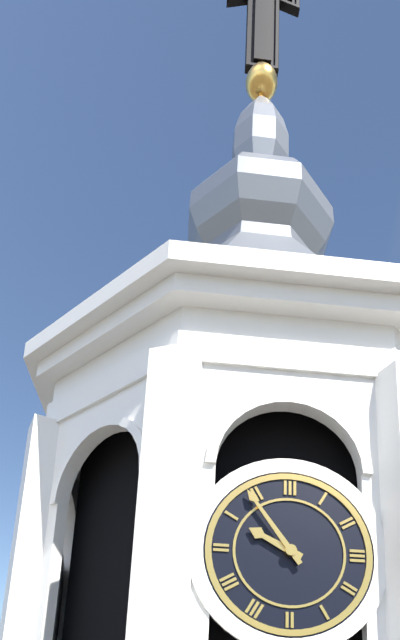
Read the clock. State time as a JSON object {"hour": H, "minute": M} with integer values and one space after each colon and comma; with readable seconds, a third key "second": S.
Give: {"hour": 9, "minute": 54}
